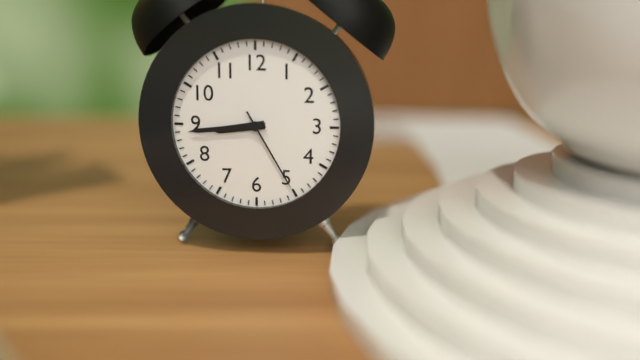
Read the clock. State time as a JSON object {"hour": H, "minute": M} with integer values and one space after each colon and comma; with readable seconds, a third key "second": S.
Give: {"hour": 8, "minute": 44, "second": 25}
